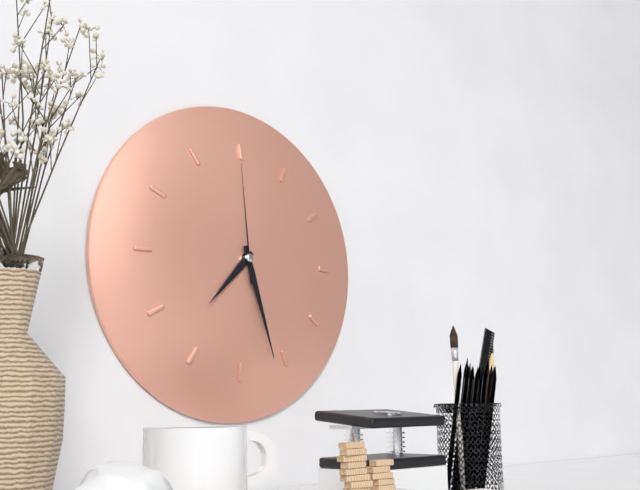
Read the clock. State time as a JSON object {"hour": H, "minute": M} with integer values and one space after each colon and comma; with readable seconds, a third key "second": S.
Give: {"hour": 7, "minute": 27, "second": 59}
